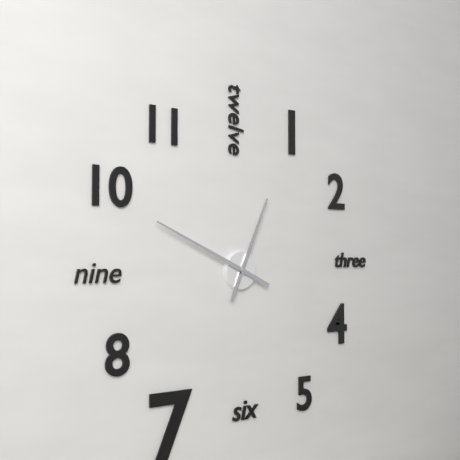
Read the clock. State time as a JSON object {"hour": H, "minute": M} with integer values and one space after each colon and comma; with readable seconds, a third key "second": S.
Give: {"hour": 12, "minute": 49}
